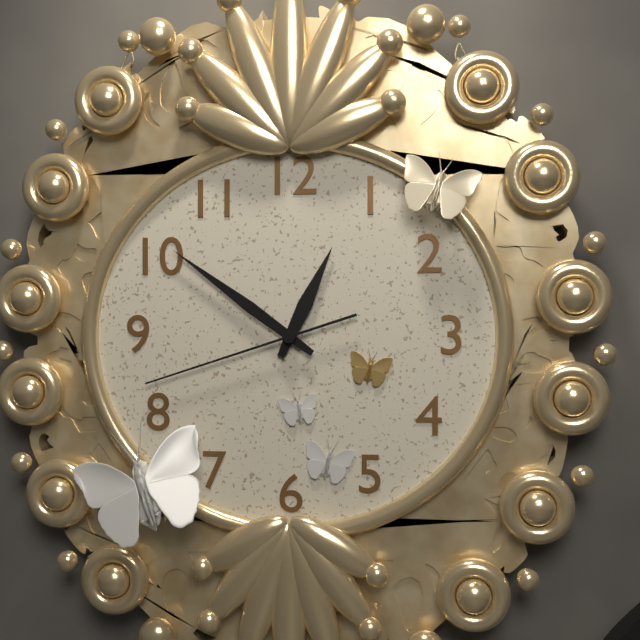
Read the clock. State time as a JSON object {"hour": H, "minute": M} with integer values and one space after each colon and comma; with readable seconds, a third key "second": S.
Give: {"hour": 12, "minute": 51, "second": 42}
